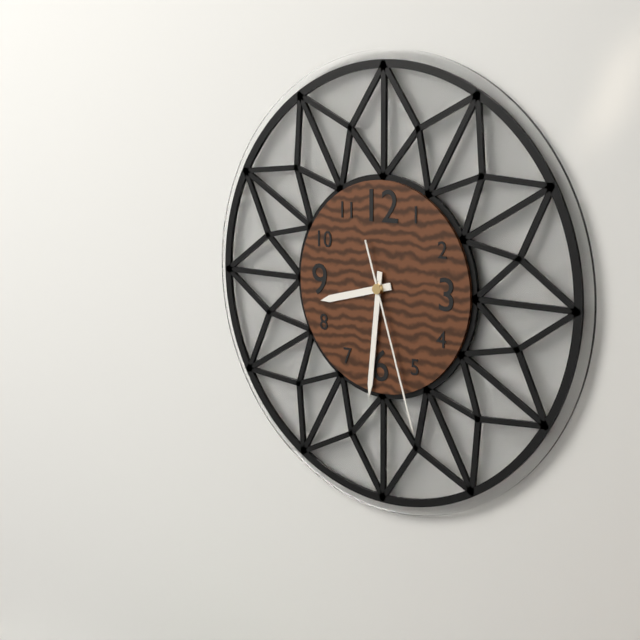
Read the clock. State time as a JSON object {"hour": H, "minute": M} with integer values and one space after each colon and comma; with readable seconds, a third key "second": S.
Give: {"hour": 8, "minute": 31, "second": 27}
